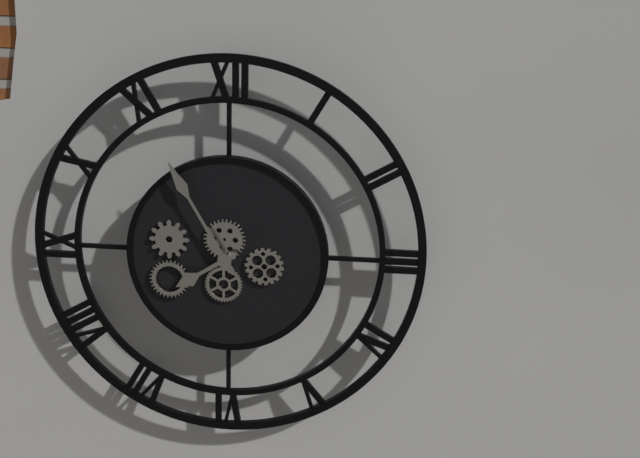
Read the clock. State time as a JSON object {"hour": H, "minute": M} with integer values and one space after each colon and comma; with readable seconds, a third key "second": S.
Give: {"hour": 7, "minute": 55}
